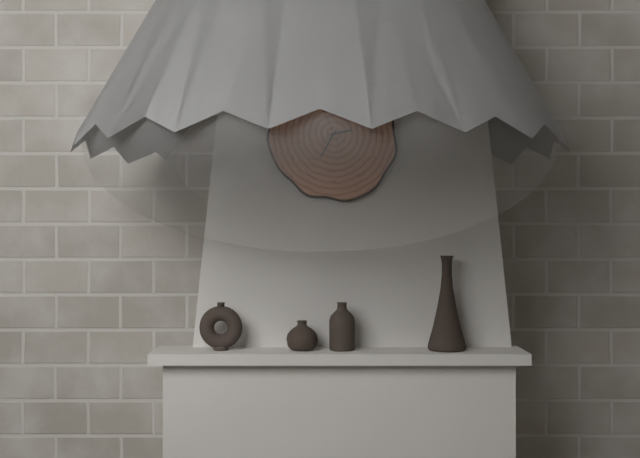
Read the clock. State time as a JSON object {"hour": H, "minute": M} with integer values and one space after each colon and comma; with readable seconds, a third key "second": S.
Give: {"hour": 2, "minute": 35}
